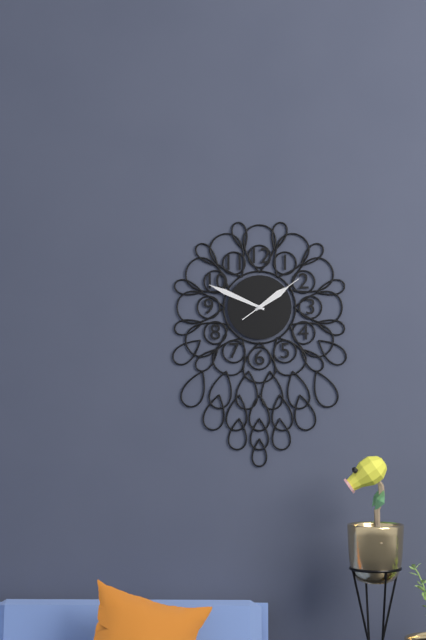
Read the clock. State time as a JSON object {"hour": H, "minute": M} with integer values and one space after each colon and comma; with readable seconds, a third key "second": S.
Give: {"hour": 1, "minute": 49, "second": 9}
